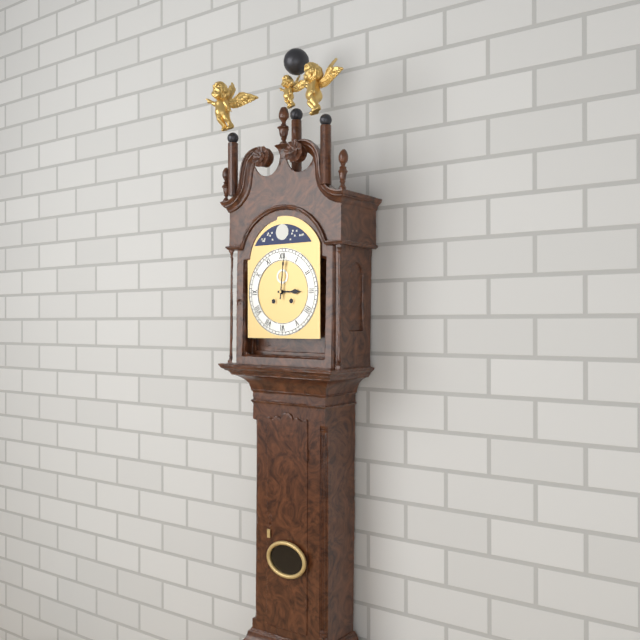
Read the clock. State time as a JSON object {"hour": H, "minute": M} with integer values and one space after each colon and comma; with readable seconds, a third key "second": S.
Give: {"hour": 3, "minute": 1}
